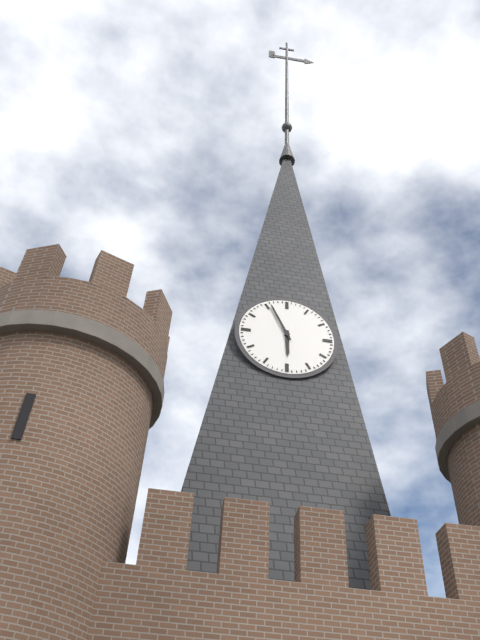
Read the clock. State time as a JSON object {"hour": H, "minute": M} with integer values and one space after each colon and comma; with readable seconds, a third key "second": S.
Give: {"hour": 5, "minute": 56}
